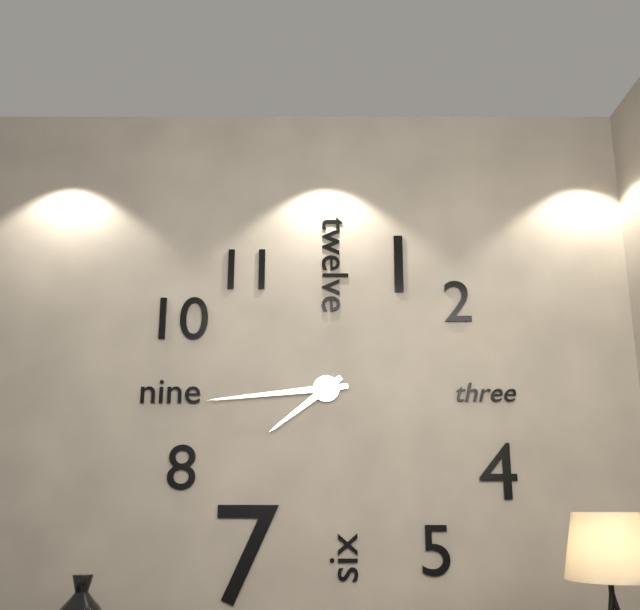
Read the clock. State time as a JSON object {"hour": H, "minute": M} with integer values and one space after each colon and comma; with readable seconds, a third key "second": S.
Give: {"hour": 7, "minute": 44}
